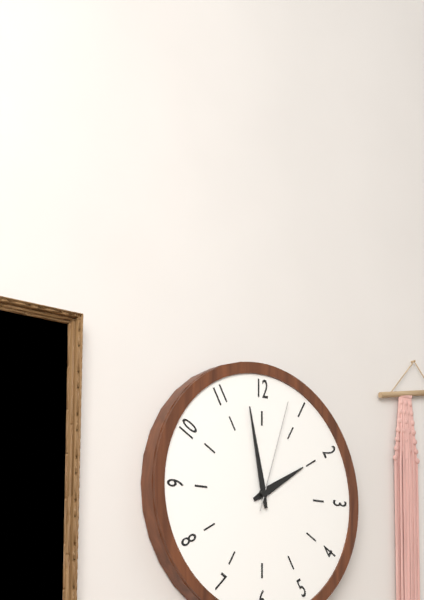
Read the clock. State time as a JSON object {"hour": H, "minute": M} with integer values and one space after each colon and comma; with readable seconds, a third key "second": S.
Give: {"hour": 1, "minute": 58, "second": 3}
